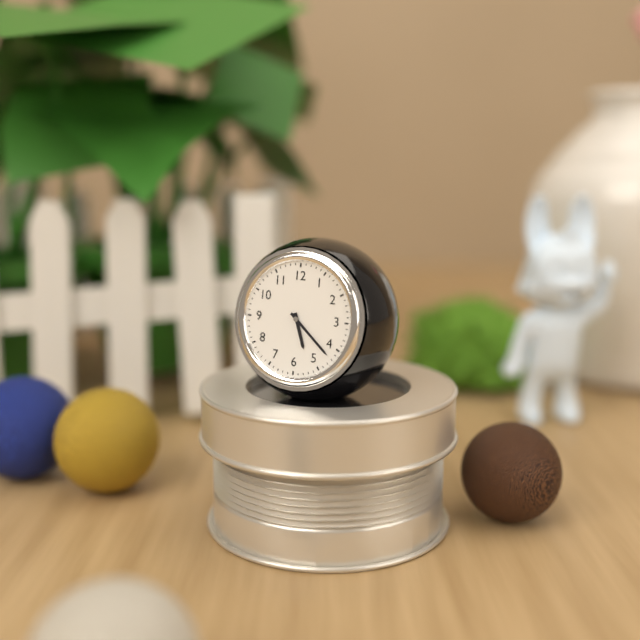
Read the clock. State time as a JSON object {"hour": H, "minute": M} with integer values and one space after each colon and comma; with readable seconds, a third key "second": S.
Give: {"hour": 5, "minute": 22}
